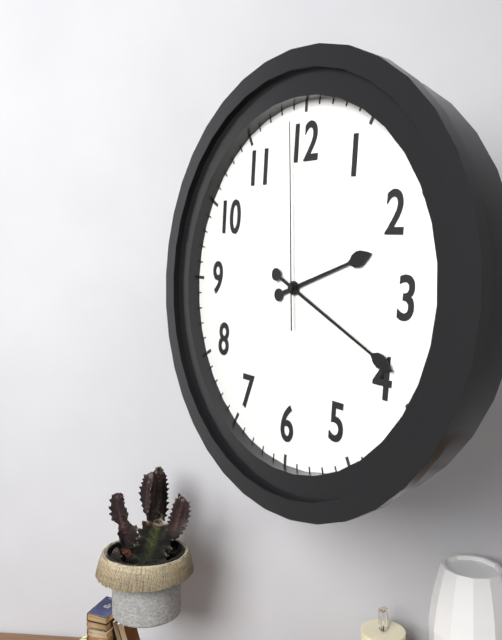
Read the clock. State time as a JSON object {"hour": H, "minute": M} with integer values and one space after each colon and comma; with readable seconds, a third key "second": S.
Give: {"hour": 2, "minute": 19, "second": 59}
